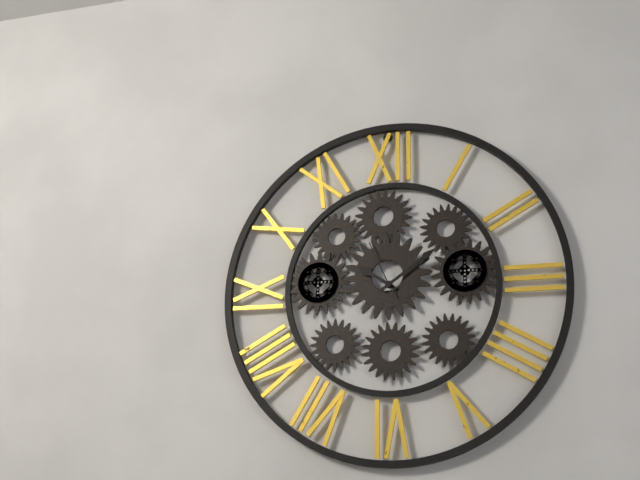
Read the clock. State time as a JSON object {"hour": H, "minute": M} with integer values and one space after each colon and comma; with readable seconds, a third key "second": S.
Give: {"hour": 10, "minute": 9, "second": 56}
